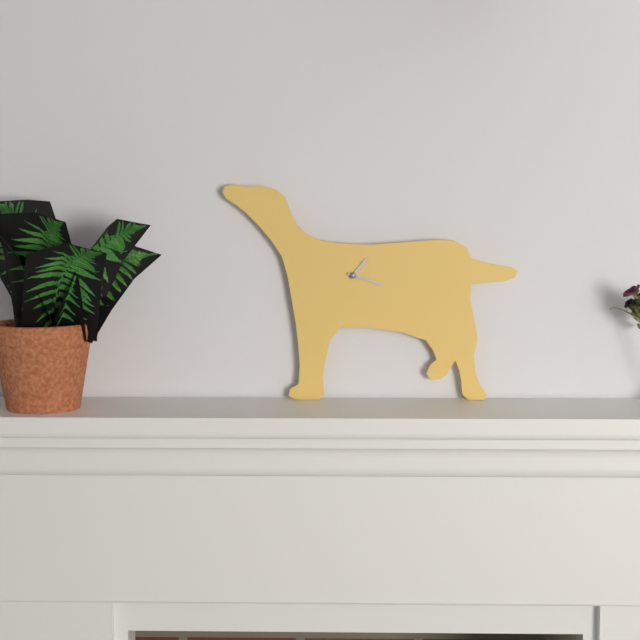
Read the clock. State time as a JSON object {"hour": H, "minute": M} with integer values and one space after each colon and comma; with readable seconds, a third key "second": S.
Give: {"hour": 1, "minute": 18}
